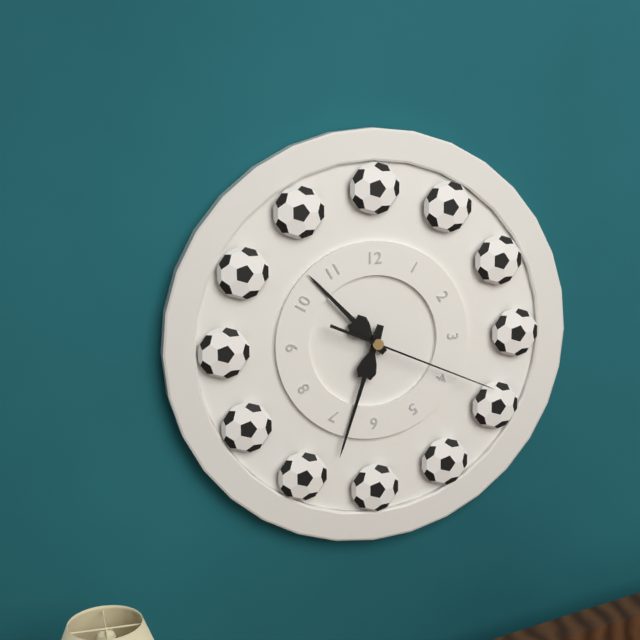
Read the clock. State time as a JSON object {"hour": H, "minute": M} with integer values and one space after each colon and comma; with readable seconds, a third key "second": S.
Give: {"hour": 10, "minute": 33, "second": 19}
